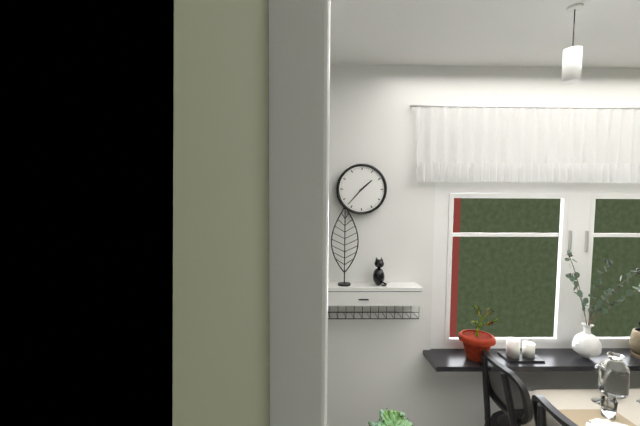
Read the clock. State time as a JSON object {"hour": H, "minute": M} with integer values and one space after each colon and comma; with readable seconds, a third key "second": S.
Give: {"hour": 1, "minute": 37}
